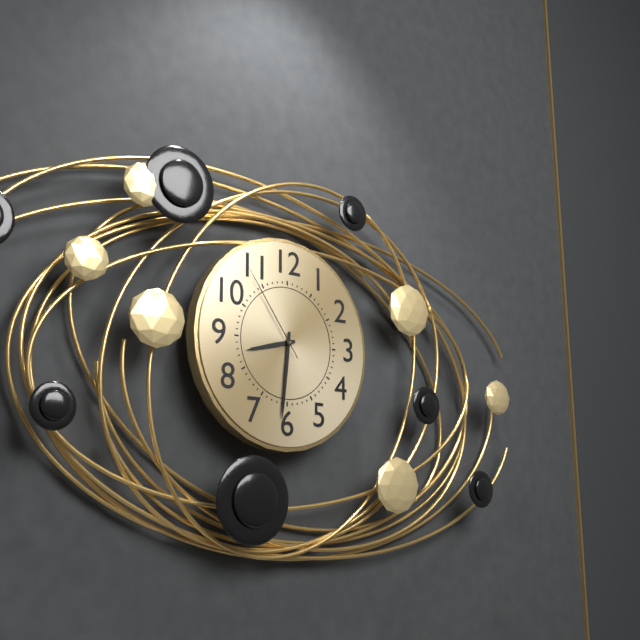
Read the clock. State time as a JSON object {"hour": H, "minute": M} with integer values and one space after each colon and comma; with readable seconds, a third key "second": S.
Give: {"hour": 8, "minute": 31, "second": 54}
